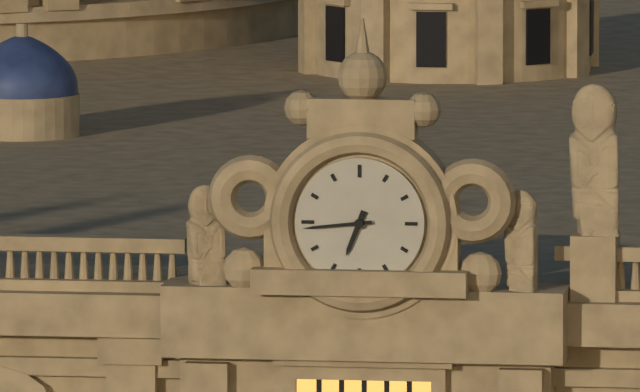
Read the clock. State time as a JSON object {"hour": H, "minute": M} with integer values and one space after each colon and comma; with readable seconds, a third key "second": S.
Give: {"hour": 6, "minute": 44}
